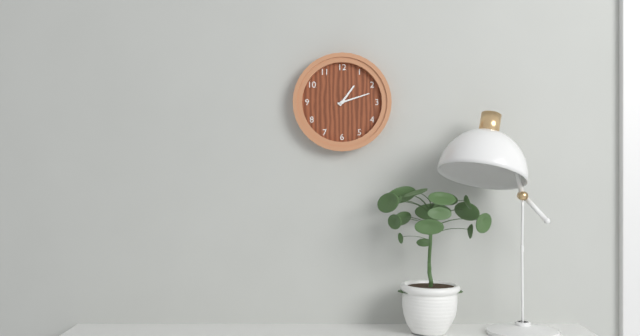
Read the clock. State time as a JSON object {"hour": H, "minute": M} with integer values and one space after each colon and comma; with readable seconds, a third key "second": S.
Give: {"hour": 1, "minute": 12}
